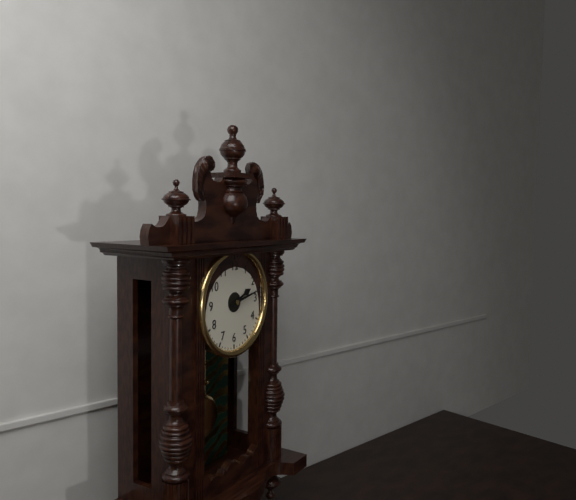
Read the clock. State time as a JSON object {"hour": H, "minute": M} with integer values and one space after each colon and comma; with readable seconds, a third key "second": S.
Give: {"hour": 2, "minute": 13}
